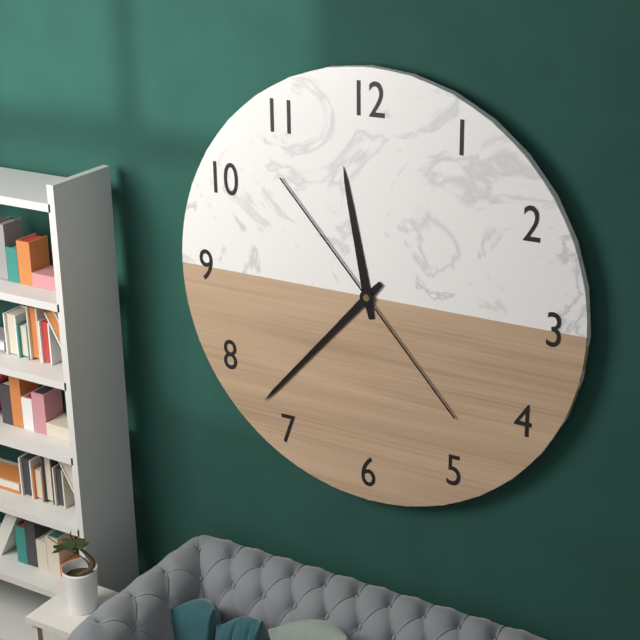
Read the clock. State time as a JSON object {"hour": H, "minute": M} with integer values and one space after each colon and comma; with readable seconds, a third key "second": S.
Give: {"hour": 11, "minute": 37}
